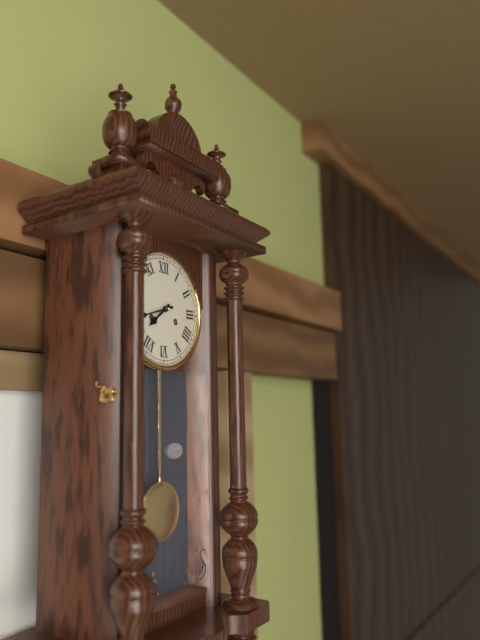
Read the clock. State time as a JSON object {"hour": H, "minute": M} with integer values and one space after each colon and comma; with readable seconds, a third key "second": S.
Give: {"hour": 7, "minute": 42}
